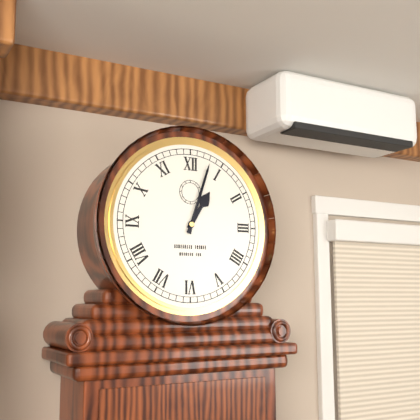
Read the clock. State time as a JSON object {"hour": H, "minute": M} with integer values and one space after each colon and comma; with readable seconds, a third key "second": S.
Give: {"hour": 1, "minute": 3}
